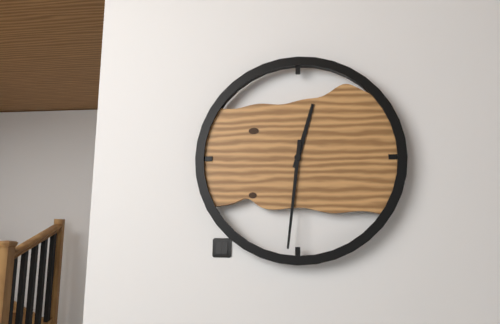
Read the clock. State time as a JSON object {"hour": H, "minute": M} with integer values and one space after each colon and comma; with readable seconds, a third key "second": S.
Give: {"hour": 12, "minute": 31}
